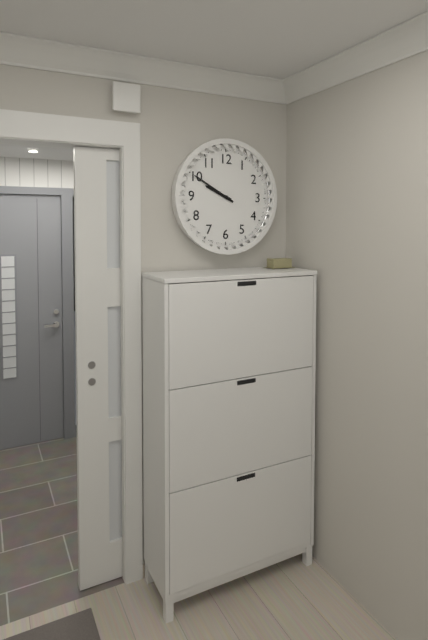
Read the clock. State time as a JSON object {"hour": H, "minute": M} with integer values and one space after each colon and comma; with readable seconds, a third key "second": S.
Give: {"hour": 9, "minute": 50}
